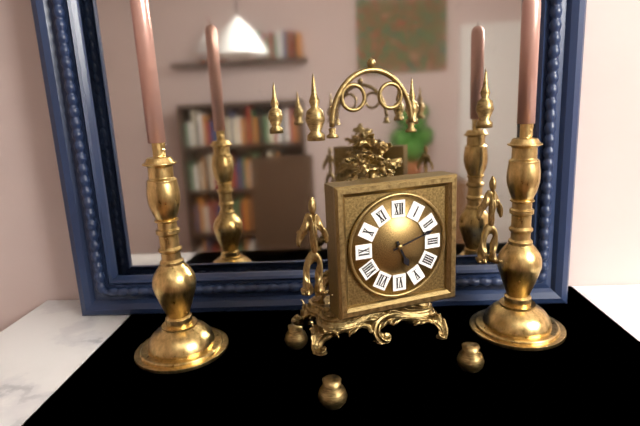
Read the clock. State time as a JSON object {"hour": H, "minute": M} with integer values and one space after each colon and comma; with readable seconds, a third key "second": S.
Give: {"hour": 5, "minute": 12}
